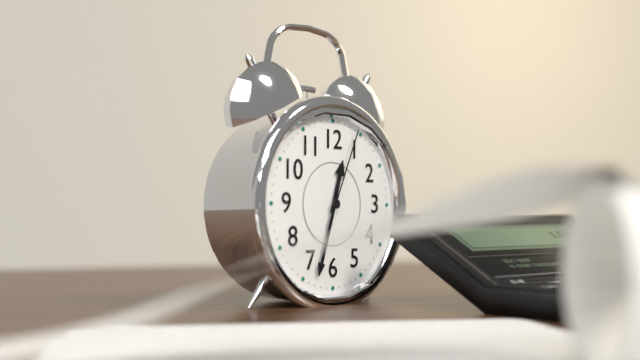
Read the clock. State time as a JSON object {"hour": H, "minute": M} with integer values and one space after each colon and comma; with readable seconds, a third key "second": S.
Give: {"hour": 12, "minute": 33, "second": 4}
